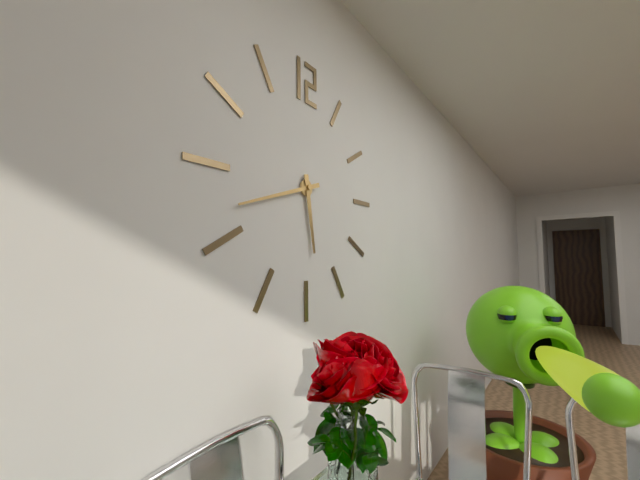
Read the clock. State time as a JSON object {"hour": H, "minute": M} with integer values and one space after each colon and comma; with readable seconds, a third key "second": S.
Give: {"hour": 5, "minute": 42}
